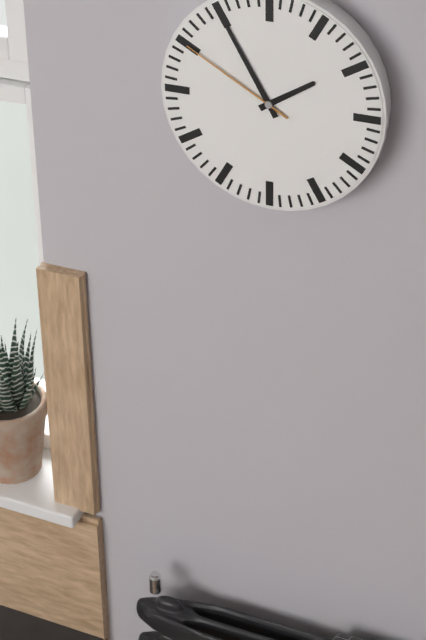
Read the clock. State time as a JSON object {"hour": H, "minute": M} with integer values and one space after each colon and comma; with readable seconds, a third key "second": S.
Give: {"hour": 1, "minute": 55, "second": 50}
